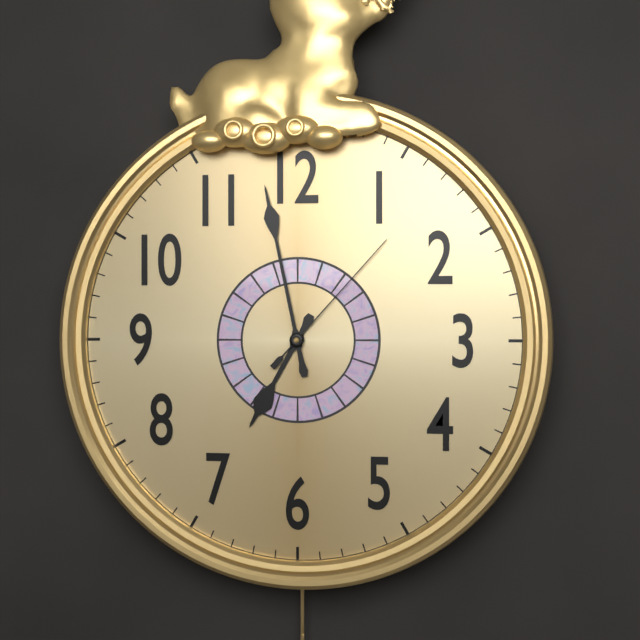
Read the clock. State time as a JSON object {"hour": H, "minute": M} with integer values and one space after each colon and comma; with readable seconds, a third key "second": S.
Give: {"hour": 6, "minute": 58, "second": 7}
